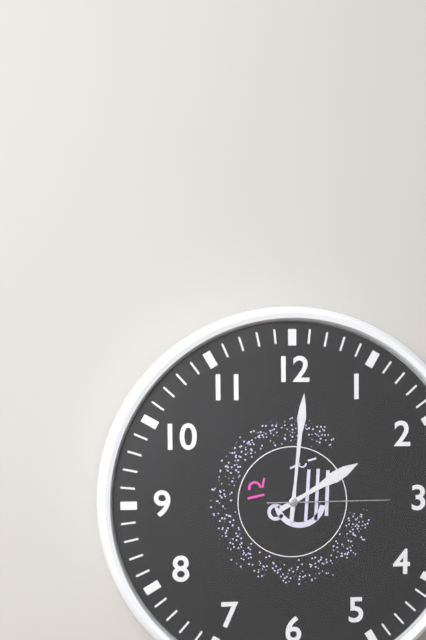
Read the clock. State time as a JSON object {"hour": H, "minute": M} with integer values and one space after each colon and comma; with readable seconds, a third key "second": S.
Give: {"hour": 2, "minute": 1, "second": 15}
